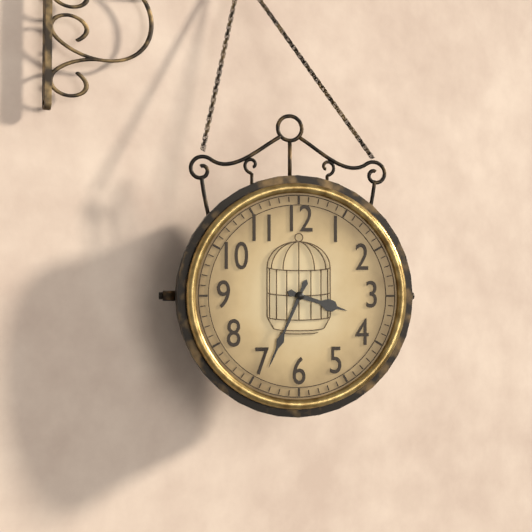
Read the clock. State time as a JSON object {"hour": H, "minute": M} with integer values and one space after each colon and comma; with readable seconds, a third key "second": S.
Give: {"hour": 3, "minute": 34}
